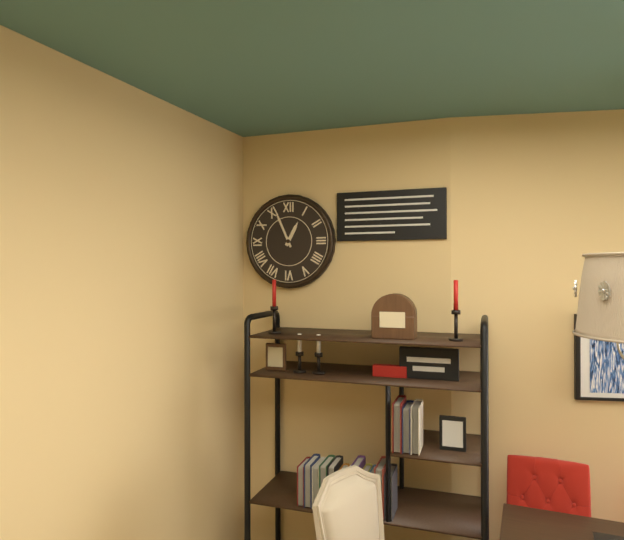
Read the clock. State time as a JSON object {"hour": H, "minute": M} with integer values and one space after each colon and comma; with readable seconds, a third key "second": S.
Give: {"hour": 12, "minute": 56}
